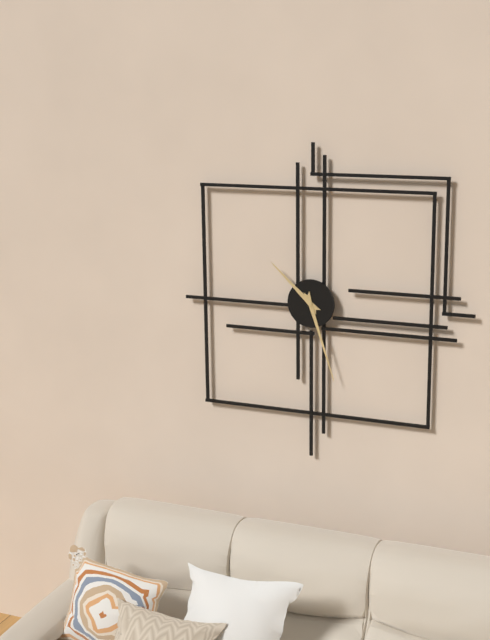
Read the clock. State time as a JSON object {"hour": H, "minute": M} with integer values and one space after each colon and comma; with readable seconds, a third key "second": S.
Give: {"hour": 10, "minute": 27}
